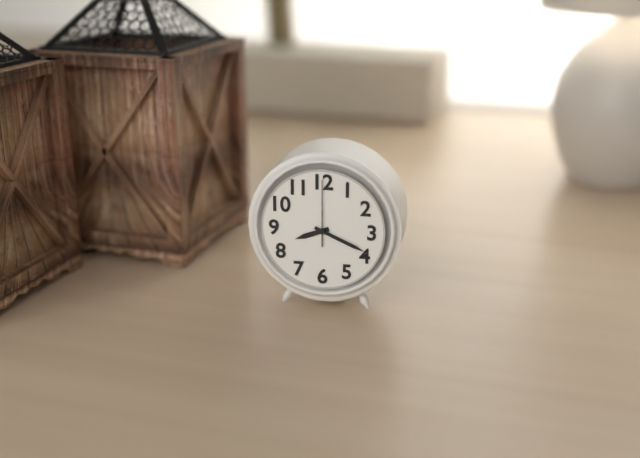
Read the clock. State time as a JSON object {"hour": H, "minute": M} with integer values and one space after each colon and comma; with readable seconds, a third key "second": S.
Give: {"hour": 8, "minute": 19, "second": 0}
